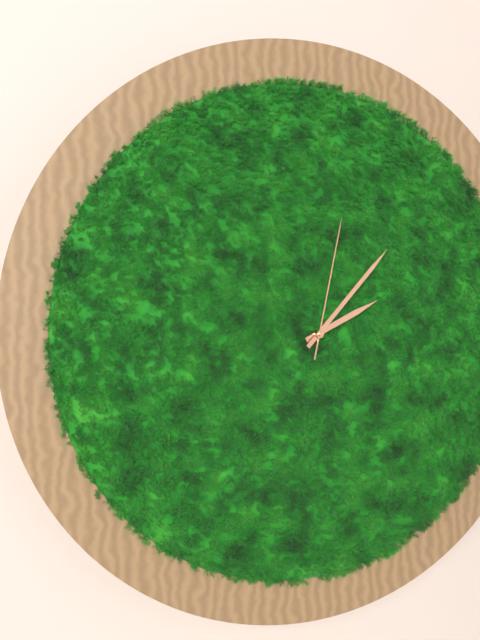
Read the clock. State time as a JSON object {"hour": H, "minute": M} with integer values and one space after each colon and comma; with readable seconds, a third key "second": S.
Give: {"hour": 2, "minute": 7, "second": 2}
